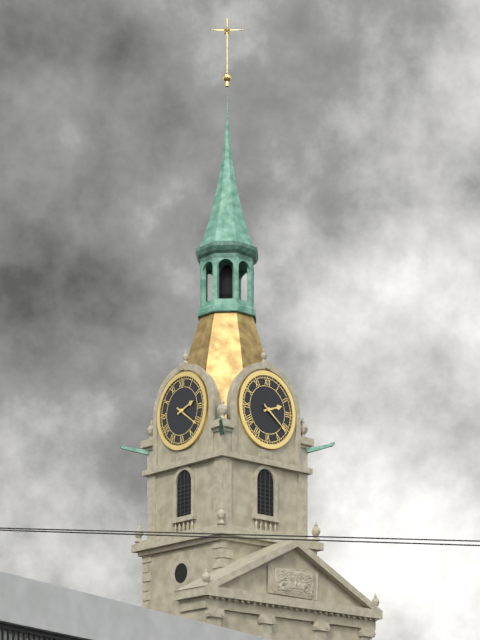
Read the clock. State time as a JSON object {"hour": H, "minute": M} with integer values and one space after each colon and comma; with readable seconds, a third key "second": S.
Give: {"hour": 2, "minute": 21}
